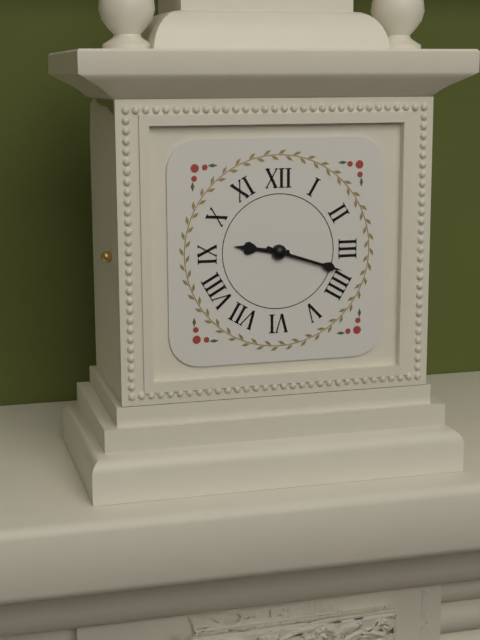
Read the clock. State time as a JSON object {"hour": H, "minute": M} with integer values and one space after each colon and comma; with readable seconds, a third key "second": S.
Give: {"hour": 9, "minute": 18}
